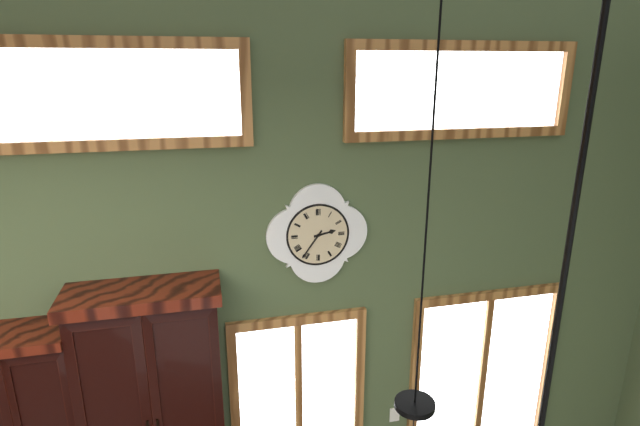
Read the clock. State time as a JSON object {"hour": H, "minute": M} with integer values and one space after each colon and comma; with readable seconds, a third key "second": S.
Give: {"hour": 2, "minute": 36}
